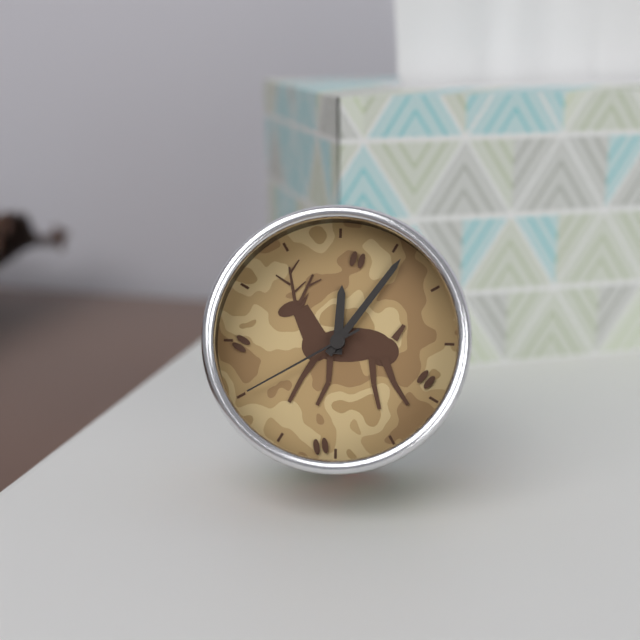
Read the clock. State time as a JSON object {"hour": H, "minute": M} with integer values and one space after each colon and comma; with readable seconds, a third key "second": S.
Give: {"hour": 12, "minute": 6, "second": 40}
